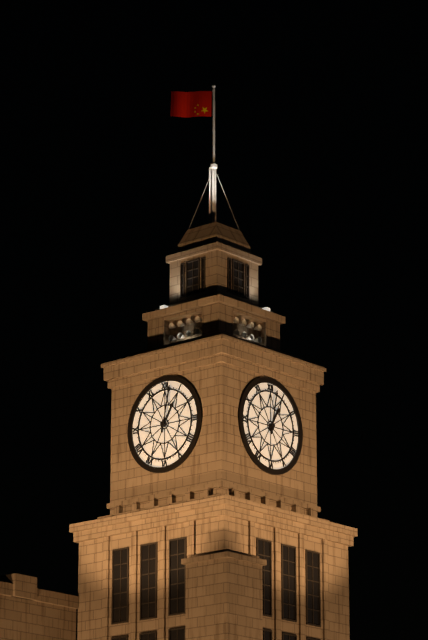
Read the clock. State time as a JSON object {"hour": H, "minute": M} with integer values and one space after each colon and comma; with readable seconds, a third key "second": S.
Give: {"hour": 1, "minute": 2}
